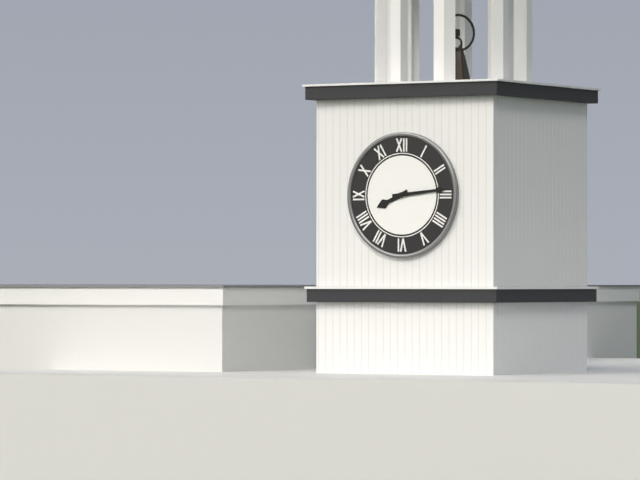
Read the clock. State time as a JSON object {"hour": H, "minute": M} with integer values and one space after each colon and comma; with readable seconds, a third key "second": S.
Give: {"hour": 8, "minute": 14}
